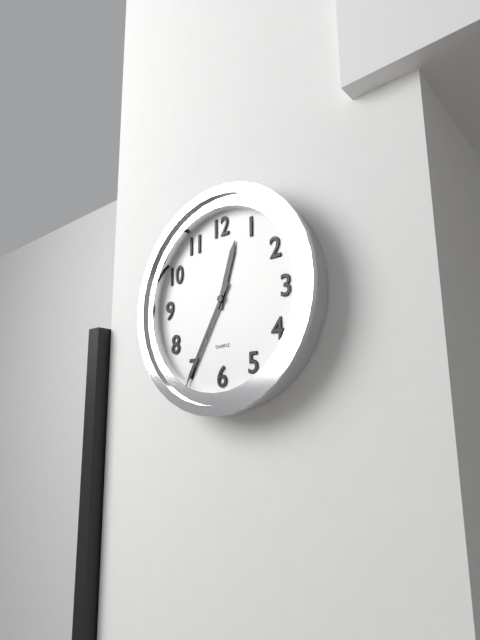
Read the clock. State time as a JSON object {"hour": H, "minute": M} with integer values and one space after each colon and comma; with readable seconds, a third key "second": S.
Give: {"hour": 12, "minute": 35}
